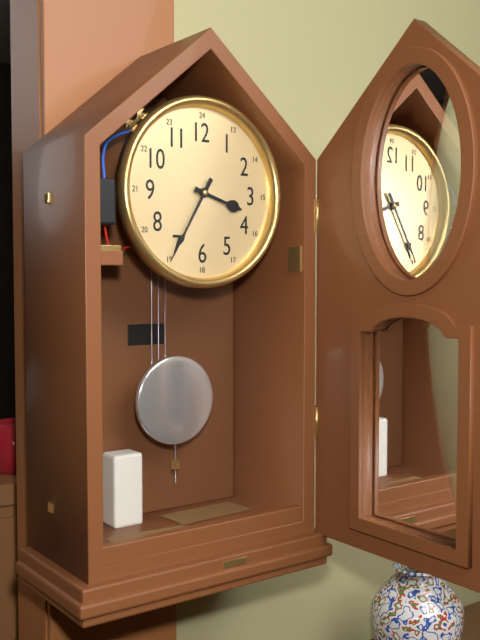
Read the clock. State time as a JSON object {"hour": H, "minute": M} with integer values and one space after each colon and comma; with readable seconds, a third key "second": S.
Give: {"hour": 3, "minute": 35}
